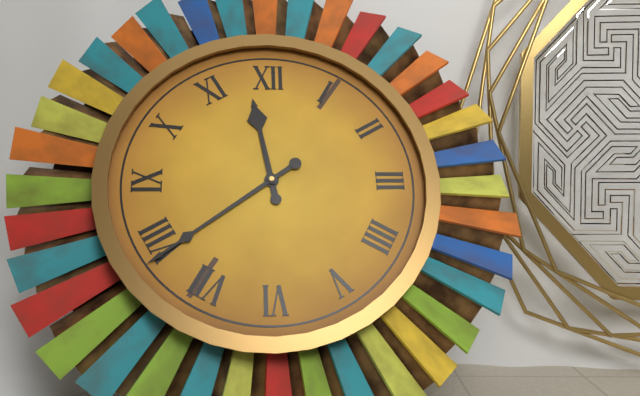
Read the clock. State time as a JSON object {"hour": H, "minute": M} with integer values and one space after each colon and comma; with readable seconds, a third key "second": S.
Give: {"hour": 11, "minute": 39}
